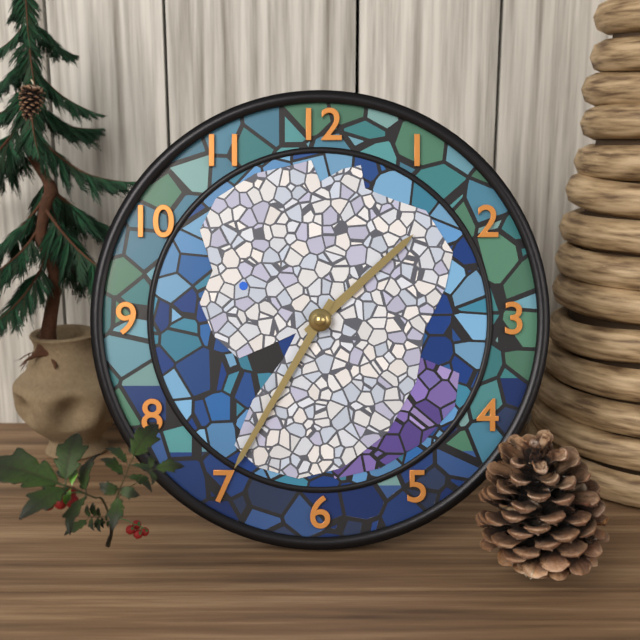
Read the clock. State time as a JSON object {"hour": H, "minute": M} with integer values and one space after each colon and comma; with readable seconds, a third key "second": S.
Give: {"hour": 1, "minute": 35}
